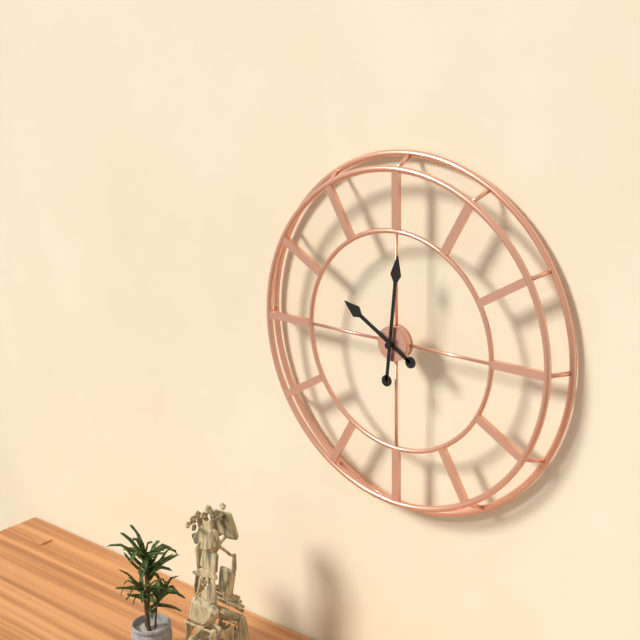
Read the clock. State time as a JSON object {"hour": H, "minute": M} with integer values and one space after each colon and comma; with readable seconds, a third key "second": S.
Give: {"hour": 10, "minute": 1}
